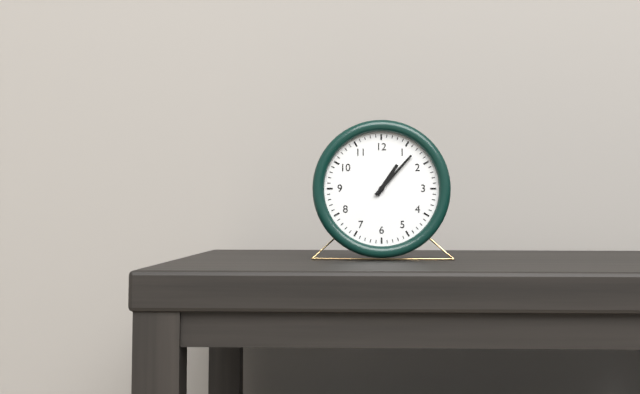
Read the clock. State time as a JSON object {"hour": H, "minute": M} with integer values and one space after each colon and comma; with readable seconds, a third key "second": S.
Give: {"hour": 1, "minute": 7}
